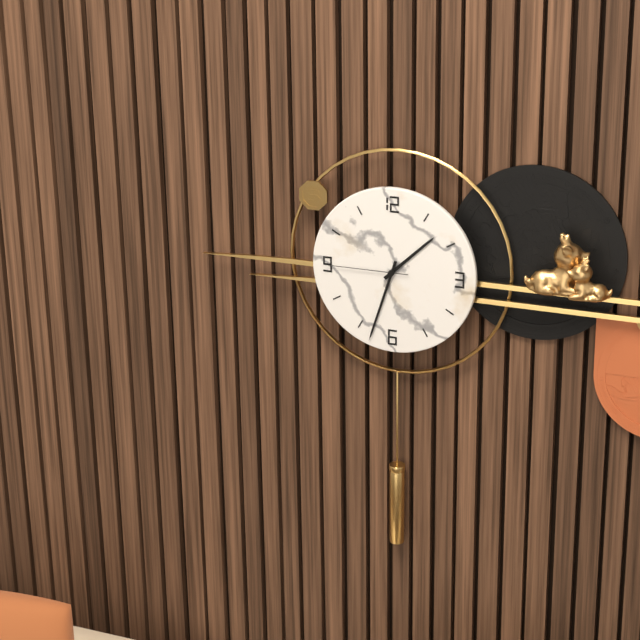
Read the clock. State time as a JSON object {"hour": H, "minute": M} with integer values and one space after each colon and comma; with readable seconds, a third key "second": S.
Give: {"hour": 1, "minute": 33, "second": 45}
